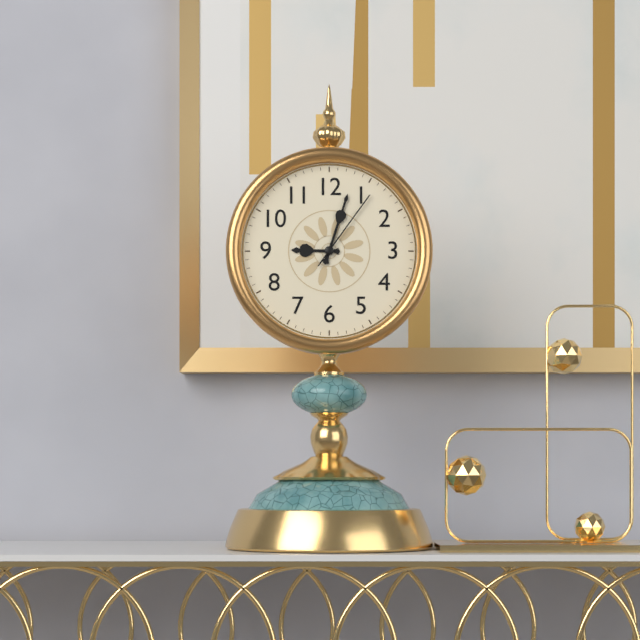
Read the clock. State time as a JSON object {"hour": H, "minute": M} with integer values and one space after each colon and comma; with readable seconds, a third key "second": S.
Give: {"hour": 9, "minute": 3, "second": 6}
